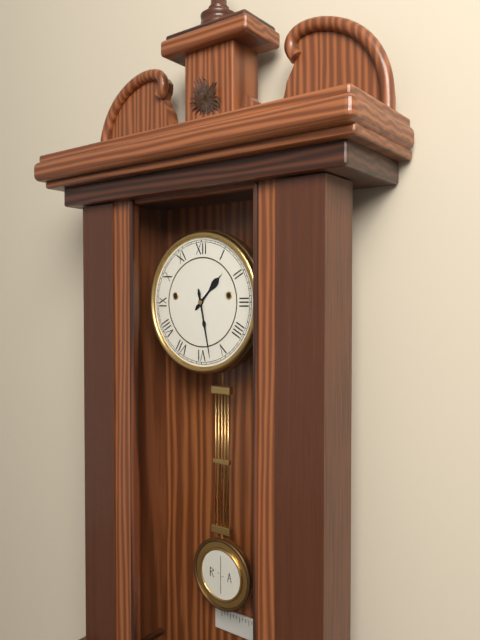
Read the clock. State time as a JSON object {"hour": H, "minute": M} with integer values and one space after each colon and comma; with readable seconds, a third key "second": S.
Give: {"hour": 1, "minute": 28}
